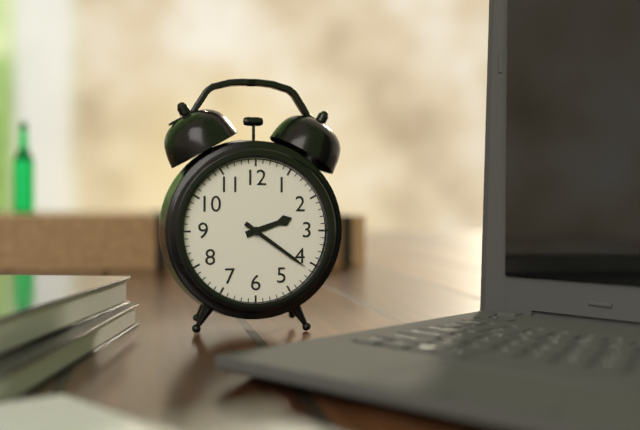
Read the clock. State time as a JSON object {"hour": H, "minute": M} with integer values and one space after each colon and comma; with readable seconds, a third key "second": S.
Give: {"hour": 2, "minute": 21}
